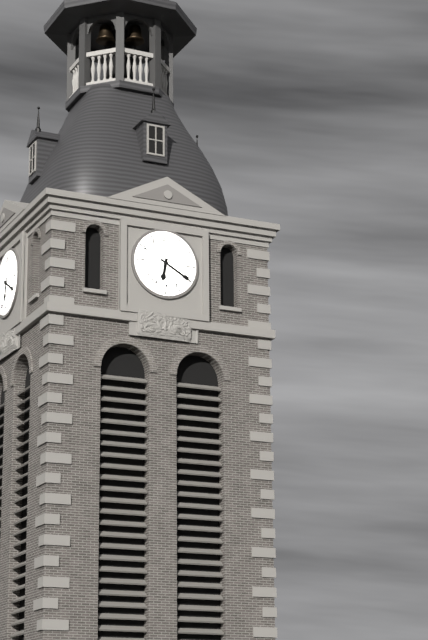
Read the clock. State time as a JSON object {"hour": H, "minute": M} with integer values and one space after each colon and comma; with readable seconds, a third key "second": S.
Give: {"hour": 6, "minute": 20}
